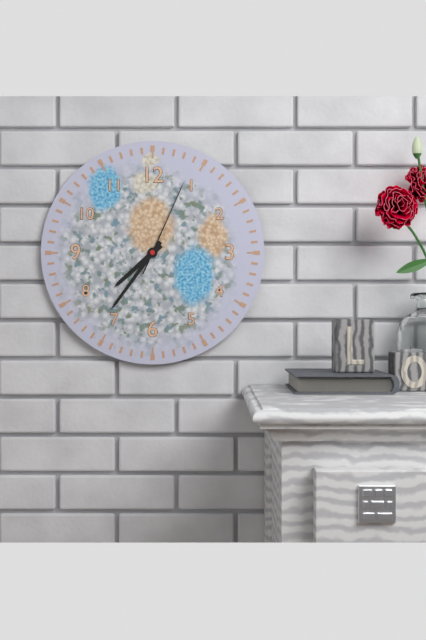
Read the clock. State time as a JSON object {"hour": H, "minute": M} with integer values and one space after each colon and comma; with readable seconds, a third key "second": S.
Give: {"hour": 7, "minute": 36, "second": 4}
